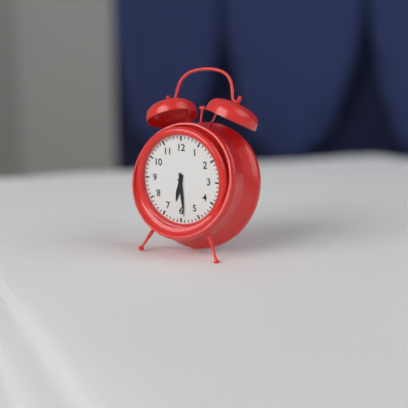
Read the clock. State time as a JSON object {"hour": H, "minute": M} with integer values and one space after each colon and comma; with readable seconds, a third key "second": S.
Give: {"hour": 6, "minute": 29}
